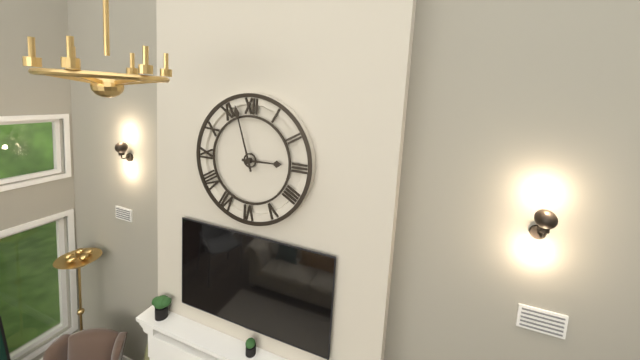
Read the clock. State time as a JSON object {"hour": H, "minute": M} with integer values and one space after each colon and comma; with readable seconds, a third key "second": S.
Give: {"hour": 2, "minute": 57}
